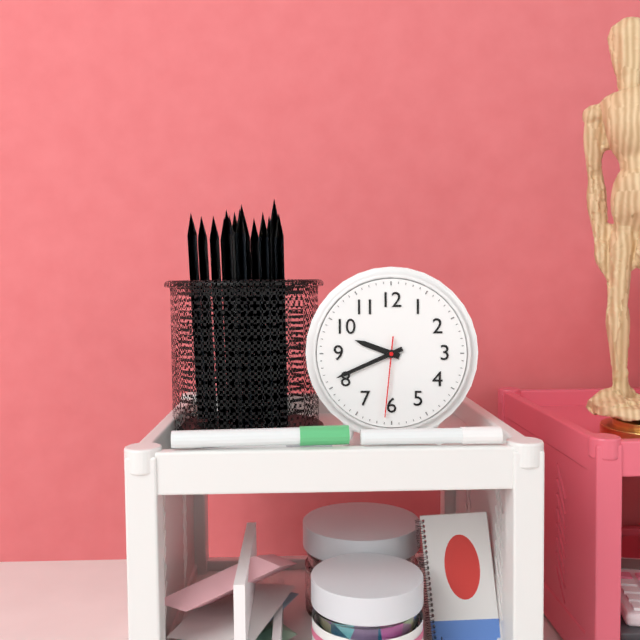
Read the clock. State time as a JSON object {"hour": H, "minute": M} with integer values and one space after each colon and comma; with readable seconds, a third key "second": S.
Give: {"hour": 9, "minute": 41, "second": 31}
